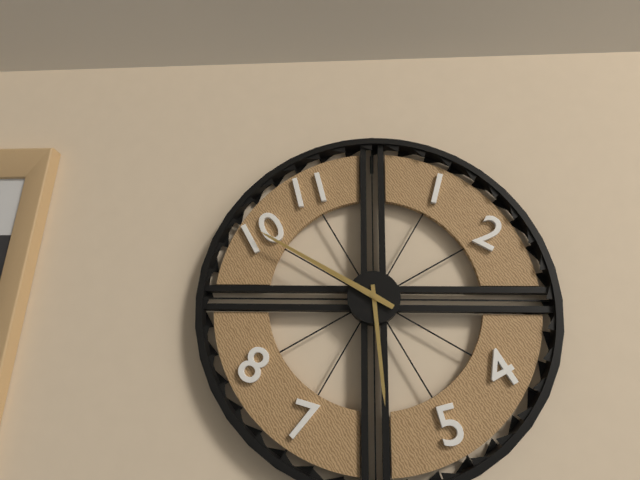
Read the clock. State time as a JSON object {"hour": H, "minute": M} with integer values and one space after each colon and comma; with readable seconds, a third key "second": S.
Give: {"hour": 5, "minute": 50}
